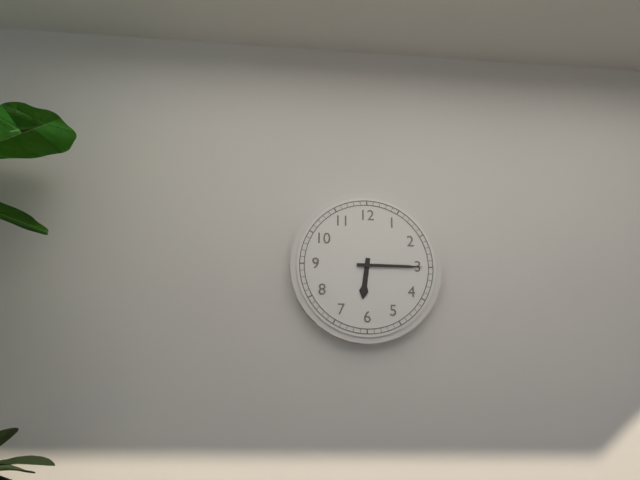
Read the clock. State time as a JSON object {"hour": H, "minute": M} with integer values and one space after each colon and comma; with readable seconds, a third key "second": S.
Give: {"hour": 6, "minute": 15}
